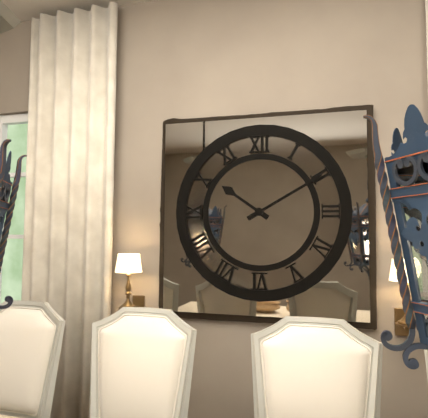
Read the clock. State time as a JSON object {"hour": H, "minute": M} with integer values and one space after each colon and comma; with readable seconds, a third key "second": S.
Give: {"hour": 10, "minute": 10}
